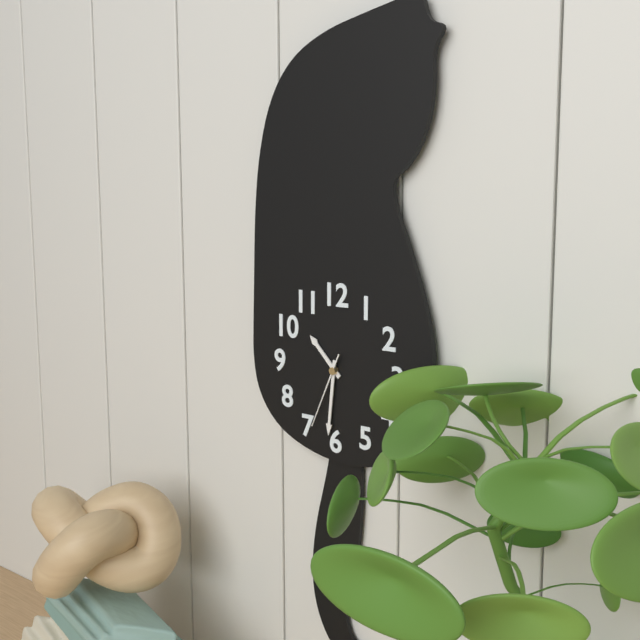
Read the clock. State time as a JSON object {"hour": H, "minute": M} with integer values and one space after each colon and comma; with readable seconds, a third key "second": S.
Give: {"hour": 10, "minute": 31, "second": 34}
